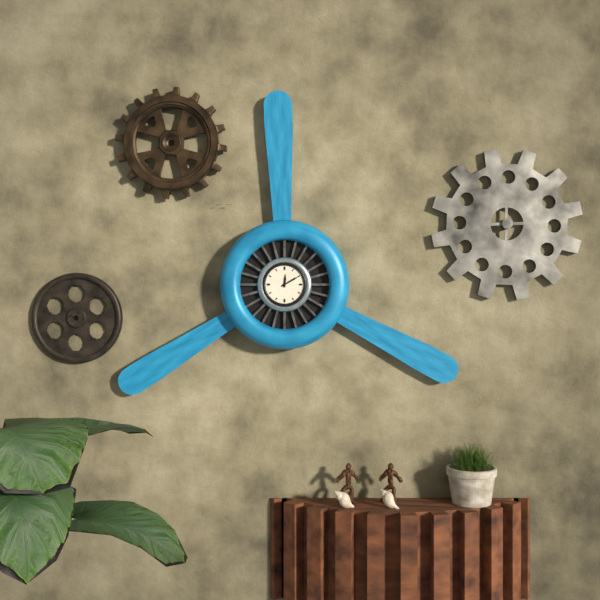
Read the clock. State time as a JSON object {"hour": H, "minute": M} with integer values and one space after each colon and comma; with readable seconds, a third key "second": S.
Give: {"hour": 12, "minute": 10}
